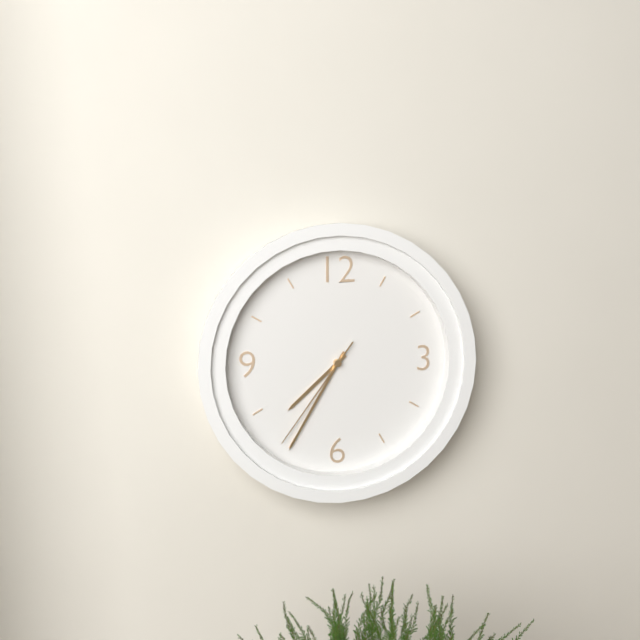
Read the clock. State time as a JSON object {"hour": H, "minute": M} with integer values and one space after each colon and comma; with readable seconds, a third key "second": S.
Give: {"hour": 7, "minute": 35, "second": 36}
